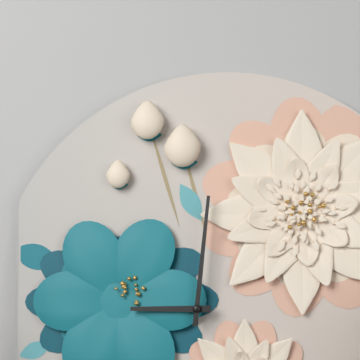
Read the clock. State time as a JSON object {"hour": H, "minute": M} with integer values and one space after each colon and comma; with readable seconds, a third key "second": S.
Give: {"hour": 9, "minute": 1}
